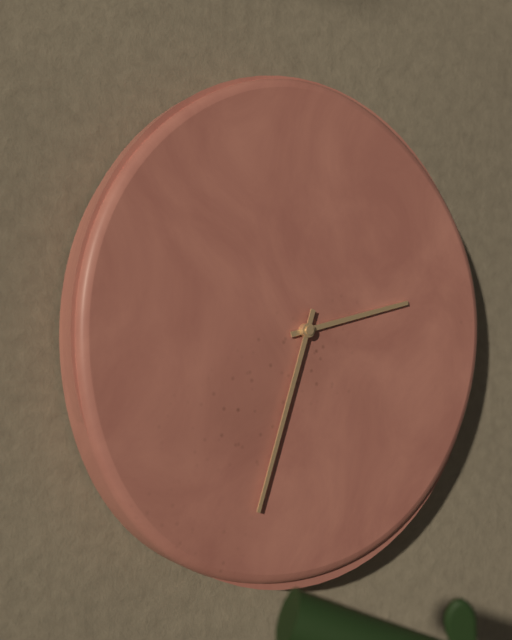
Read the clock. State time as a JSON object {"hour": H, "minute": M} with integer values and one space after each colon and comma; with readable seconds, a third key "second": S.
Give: {"hour": 2, "minute": 33}
